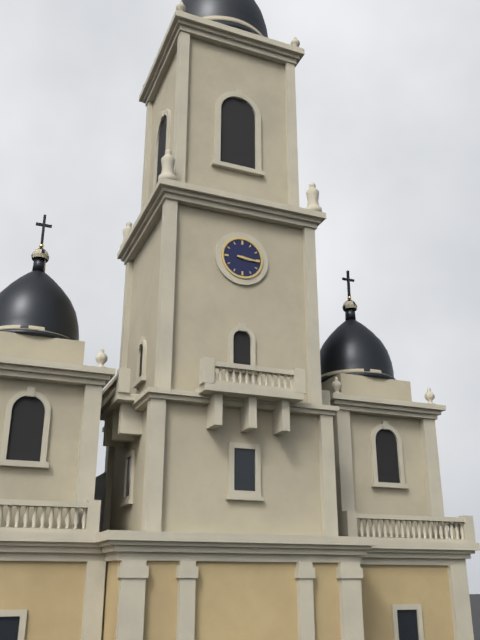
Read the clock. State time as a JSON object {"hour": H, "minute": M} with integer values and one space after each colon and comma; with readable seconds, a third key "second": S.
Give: {"hour": 3, "minute": 16}
